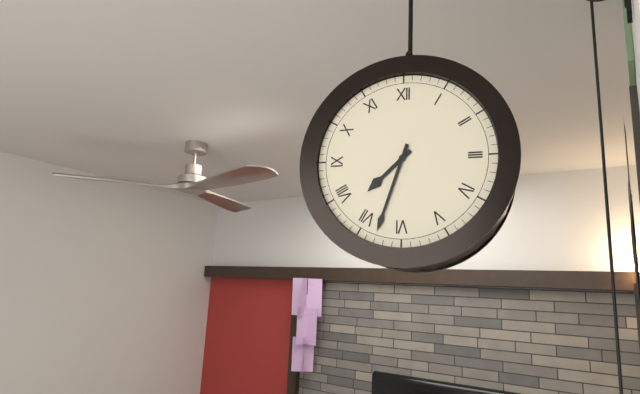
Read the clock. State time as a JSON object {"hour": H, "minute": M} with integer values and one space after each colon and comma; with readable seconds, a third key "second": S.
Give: {"hour": 7, "minute": 33}
